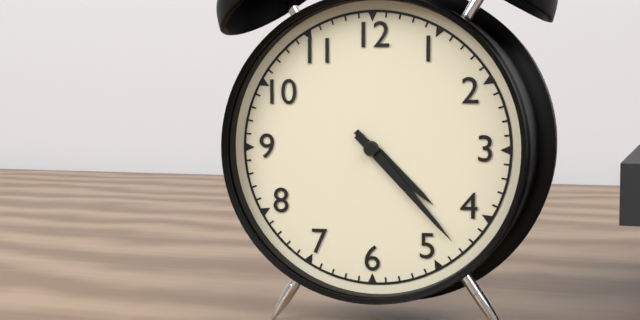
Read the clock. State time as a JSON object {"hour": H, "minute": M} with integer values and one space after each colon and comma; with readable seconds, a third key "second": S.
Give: {"hour": 4, "minute": 23}
